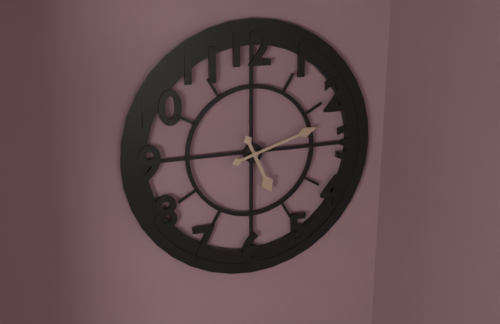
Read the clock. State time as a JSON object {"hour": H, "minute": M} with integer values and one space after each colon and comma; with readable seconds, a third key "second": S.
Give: {"hour": 5, "minute": 12}
